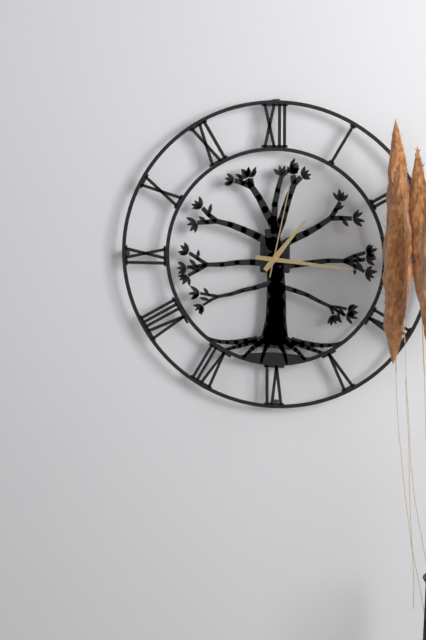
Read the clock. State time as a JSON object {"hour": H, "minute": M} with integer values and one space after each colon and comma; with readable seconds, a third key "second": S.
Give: {"hour": 1, "minute": 16, "second": 2}
